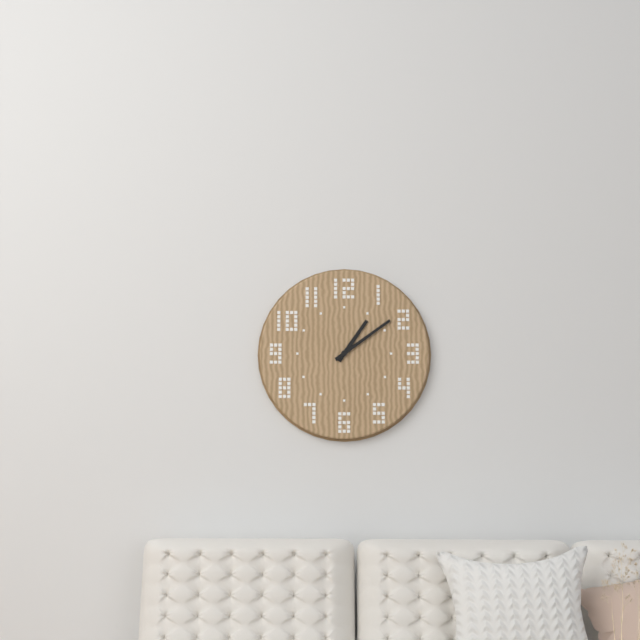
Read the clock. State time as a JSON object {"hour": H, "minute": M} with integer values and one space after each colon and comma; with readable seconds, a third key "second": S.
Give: {"hour": 1, "minute": 9}
